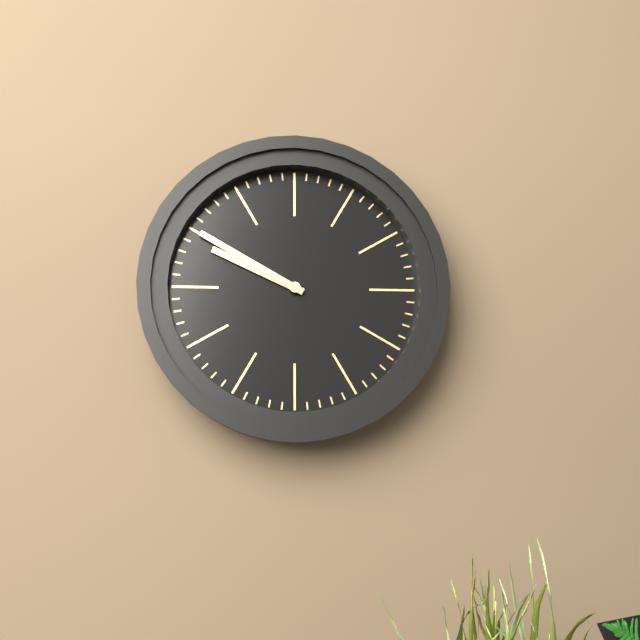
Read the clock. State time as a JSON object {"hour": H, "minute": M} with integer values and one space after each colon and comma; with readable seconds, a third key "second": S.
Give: {"hour": 9, "minute": 50}
